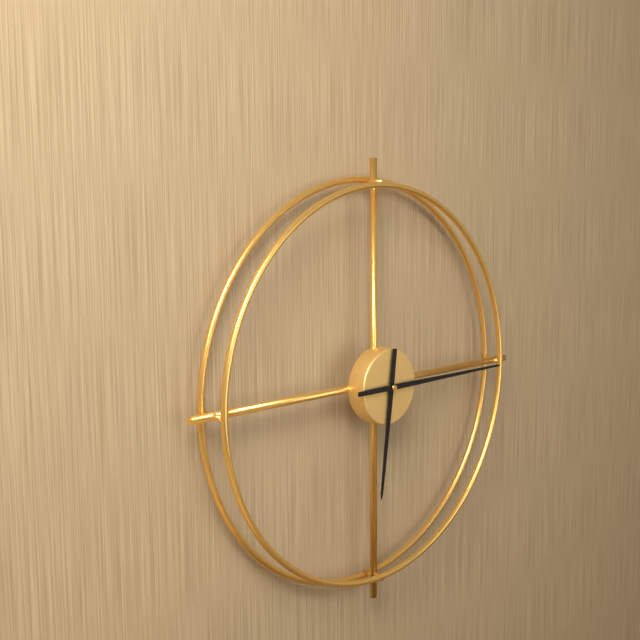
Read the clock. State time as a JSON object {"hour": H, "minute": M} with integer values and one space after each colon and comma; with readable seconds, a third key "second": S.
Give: {"hour": 6, "minute": 15}
